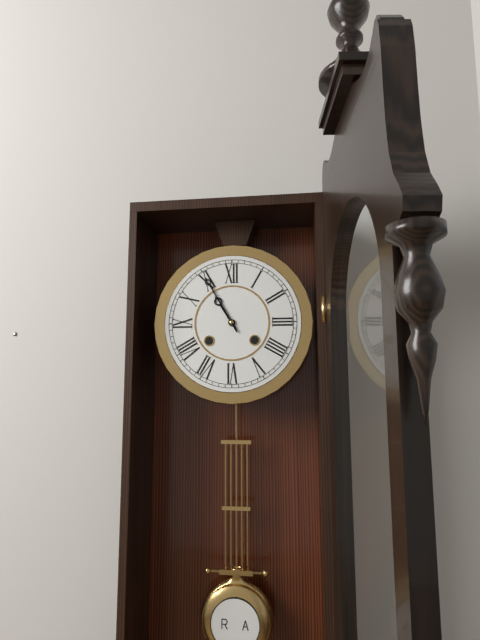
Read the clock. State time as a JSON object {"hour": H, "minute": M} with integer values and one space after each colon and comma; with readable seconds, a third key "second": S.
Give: {"hour": 10, "minute": 55}
